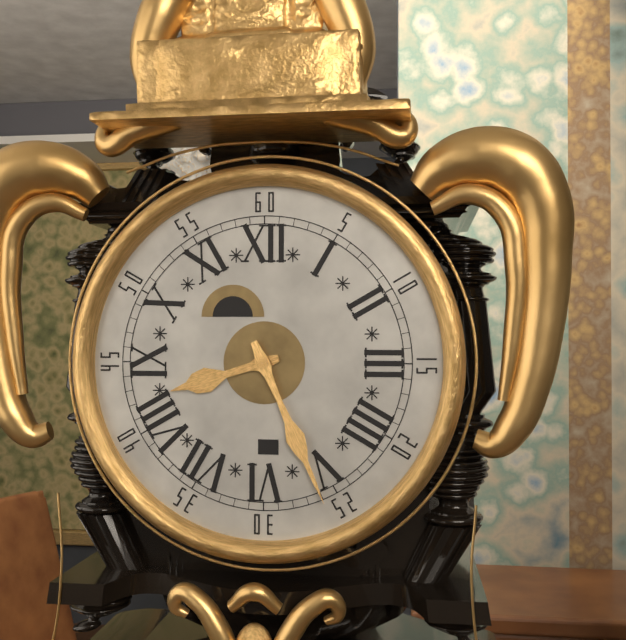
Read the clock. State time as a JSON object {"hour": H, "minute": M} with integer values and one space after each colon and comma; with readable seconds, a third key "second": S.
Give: {"hour": 8, "minute": 26}
